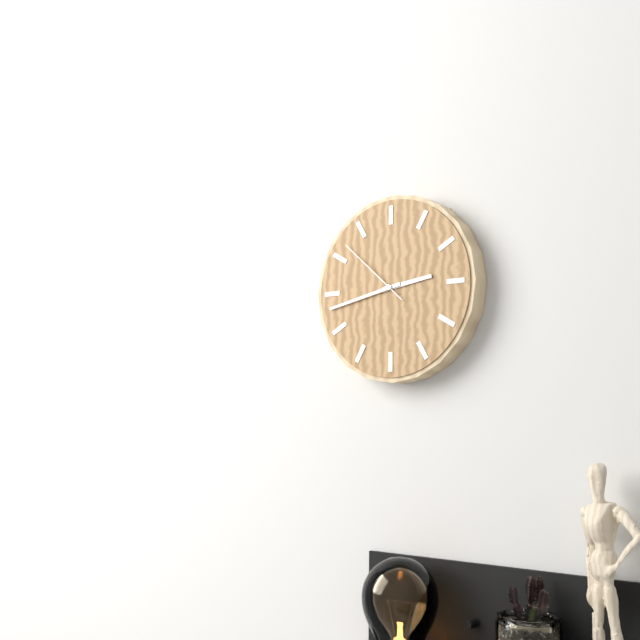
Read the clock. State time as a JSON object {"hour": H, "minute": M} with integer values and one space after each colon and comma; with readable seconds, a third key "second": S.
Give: {"hour": 2, "minute": 43, "second": 52}
